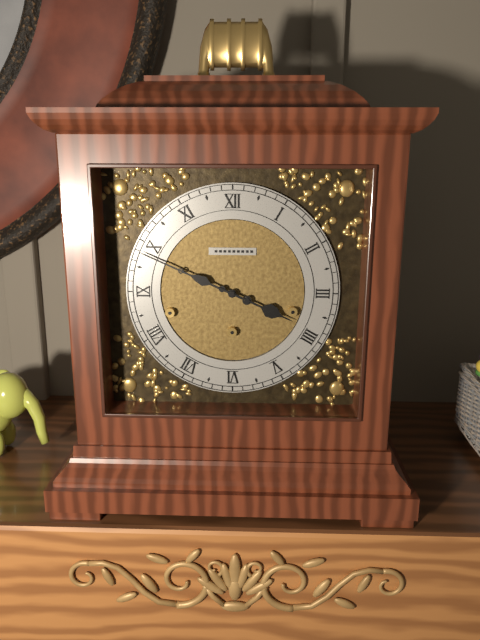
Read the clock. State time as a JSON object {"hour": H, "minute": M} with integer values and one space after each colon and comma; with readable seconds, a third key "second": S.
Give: {"hour": 3, "minute": 49}
